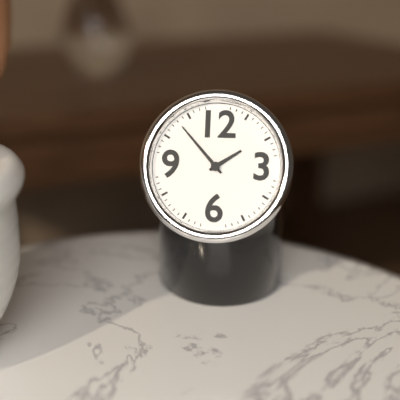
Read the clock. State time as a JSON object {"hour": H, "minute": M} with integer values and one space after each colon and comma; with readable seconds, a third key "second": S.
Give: {"hour": 1, "minute": 53}
